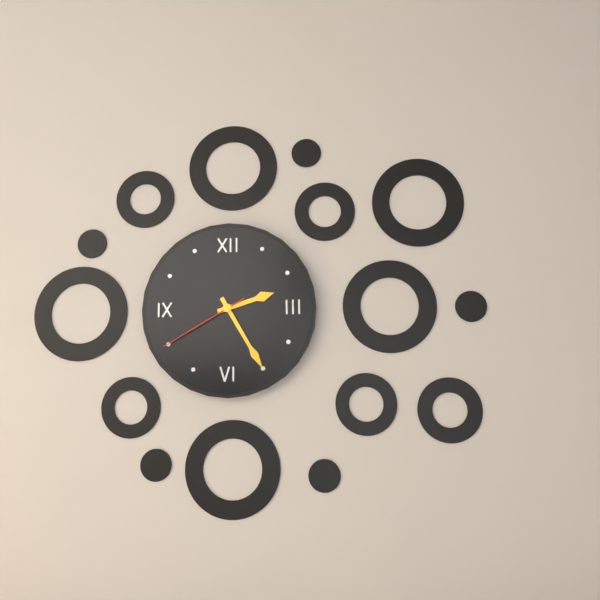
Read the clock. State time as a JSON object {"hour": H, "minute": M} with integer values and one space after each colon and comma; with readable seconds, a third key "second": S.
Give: {"hour": 2, "minute": 25, "second": 40}
